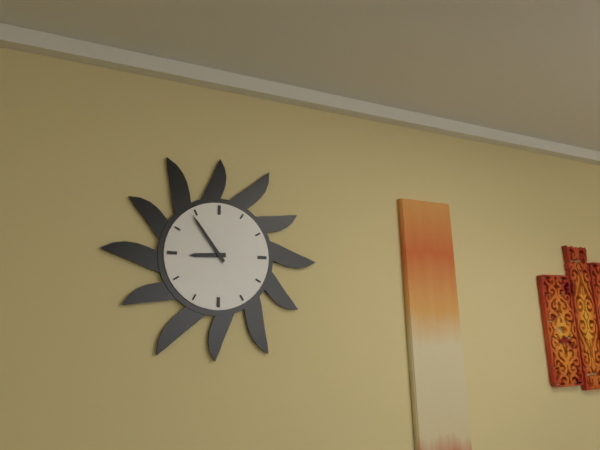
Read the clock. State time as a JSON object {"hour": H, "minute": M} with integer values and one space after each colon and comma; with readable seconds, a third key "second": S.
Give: {"hour": 8, "minute": 54}
